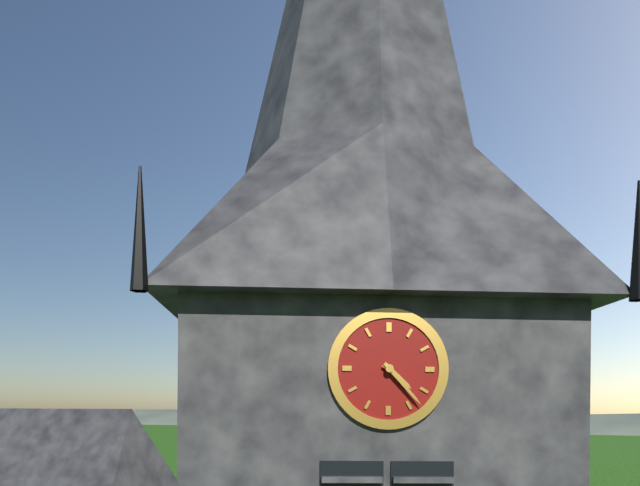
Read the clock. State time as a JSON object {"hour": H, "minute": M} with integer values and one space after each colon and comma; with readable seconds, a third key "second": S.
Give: {"hour": 4, "minute": 23}
